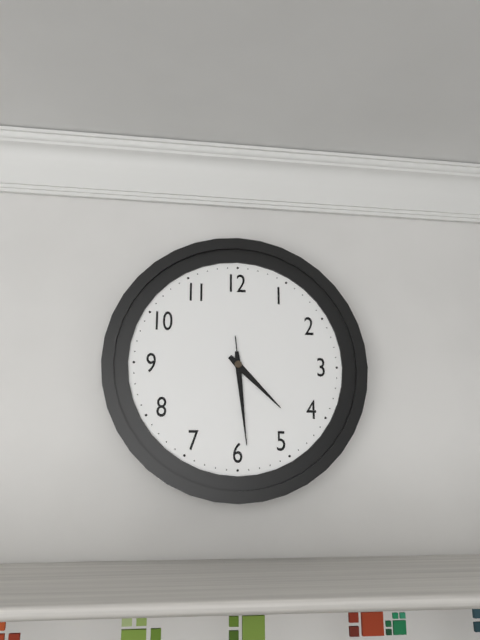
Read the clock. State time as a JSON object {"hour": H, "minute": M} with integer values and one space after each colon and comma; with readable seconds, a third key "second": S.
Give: {"hour": 4, "minute": 29, "second": 29}
